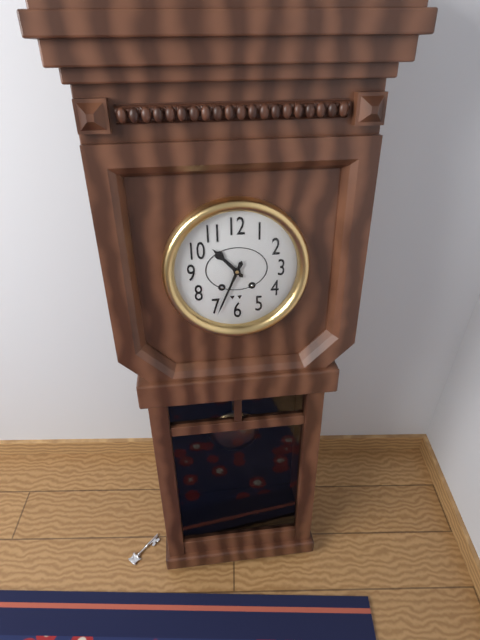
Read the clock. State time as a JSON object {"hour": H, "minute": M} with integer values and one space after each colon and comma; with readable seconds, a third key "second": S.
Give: {"hour": 10, "minute": 34}
